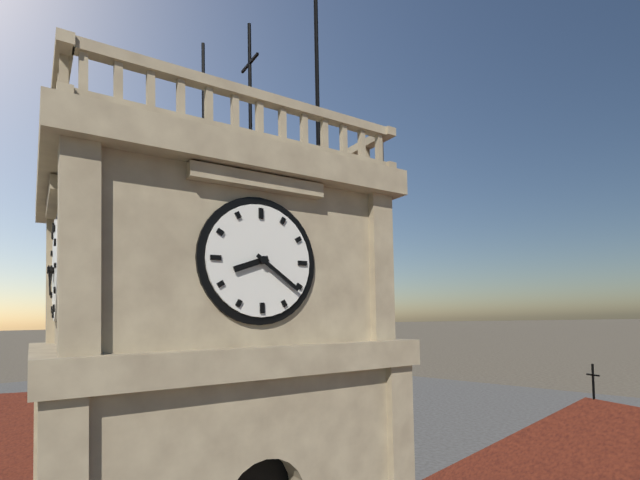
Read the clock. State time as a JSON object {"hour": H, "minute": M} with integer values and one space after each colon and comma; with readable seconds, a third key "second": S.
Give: {"hour": 8, "minute": 21}
